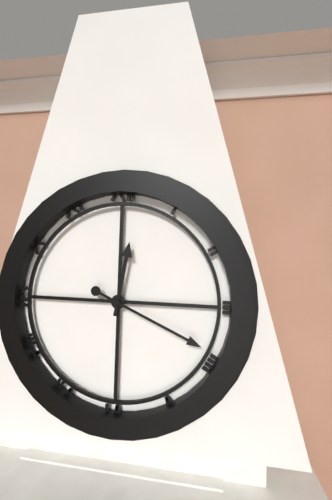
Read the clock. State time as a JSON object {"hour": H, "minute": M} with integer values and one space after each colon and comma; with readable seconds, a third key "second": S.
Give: {"hour": 12, "minute": 19}
